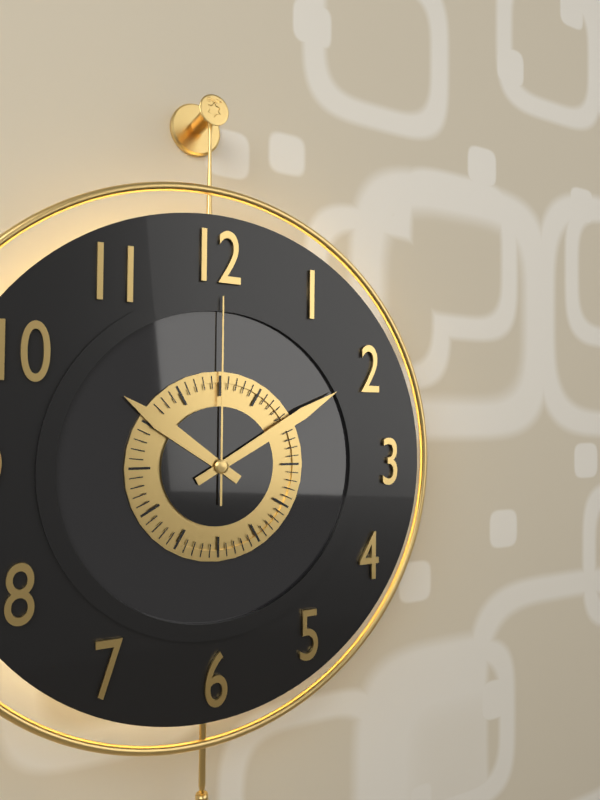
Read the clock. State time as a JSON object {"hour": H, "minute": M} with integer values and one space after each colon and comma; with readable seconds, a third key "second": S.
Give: {"hour": 10, "minute": 10, "second": 0}
